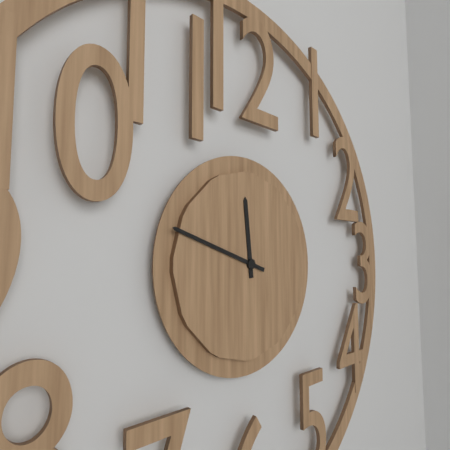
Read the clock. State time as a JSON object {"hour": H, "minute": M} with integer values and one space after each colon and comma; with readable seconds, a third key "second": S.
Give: {"hour": 11, "minute": 48}
